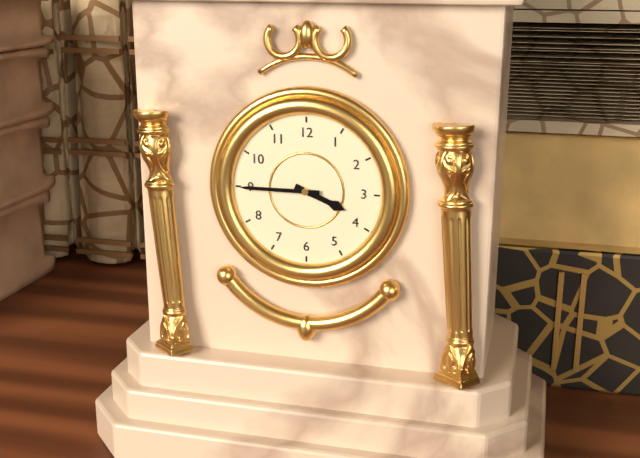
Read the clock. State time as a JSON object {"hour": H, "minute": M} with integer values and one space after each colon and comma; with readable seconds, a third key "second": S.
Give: {"hour": 3, "minute": 45}
